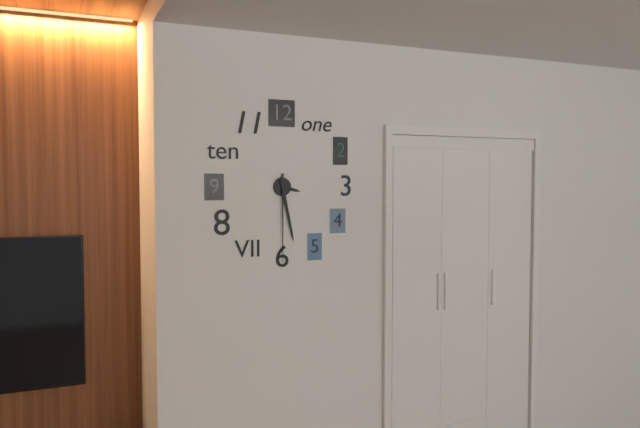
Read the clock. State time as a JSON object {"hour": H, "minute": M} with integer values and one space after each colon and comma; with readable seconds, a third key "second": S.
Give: {"hour": 3, "minute": 28, "second": 30}
